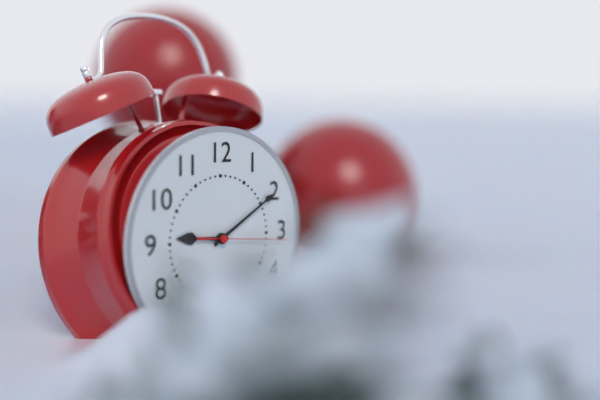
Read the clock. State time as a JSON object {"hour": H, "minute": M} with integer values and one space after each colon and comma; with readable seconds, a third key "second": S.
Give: {"hour": 9, "minute": 10, "second": 16}
